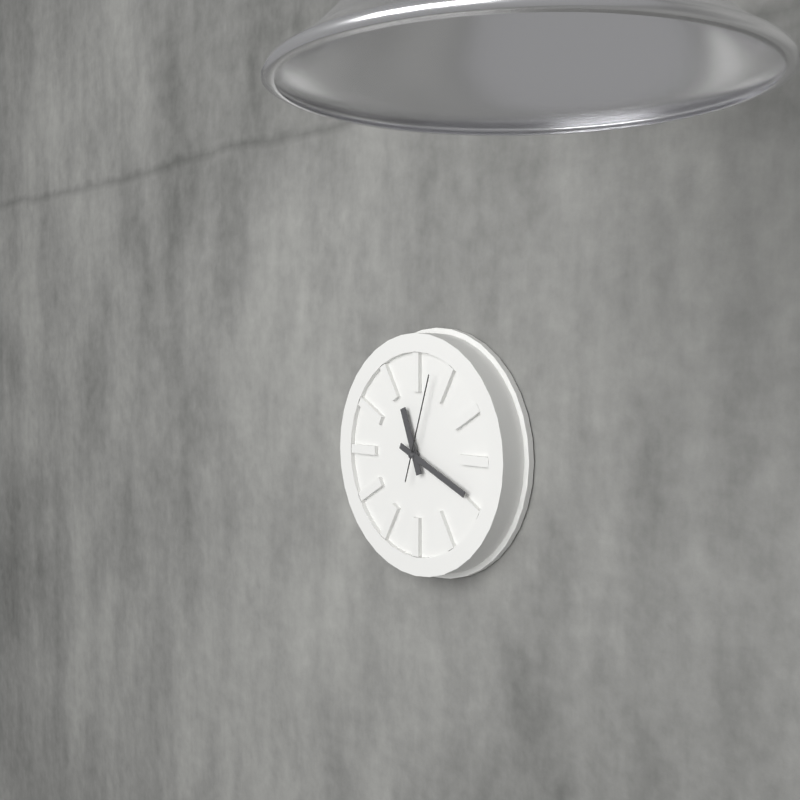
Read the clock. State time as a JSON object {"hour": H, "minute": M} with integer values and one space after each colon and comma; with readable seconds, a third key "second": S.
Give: {"hour": 11, "minute": 19, "second": 3}
